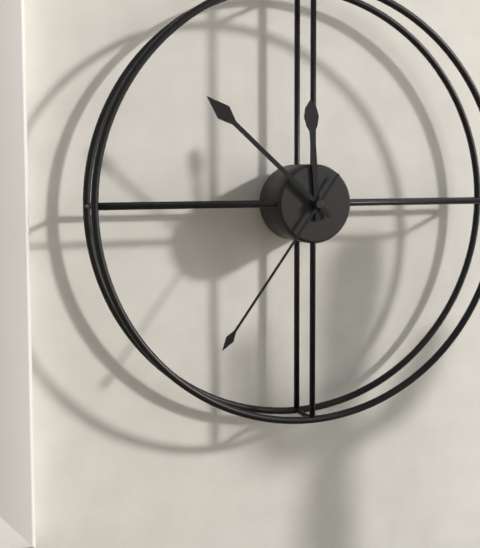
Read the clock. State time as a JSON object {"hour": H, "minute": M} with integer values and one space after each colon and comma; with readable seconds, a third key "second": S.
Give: {"hour": 11, "minute": 52, "second": 36}
